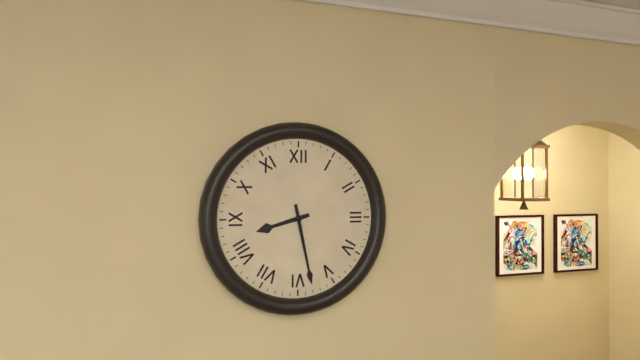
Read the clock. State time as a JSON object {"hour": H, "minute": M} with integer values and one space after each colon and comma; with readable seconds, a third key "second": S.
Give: {"hour": 8, "minute": 28}
